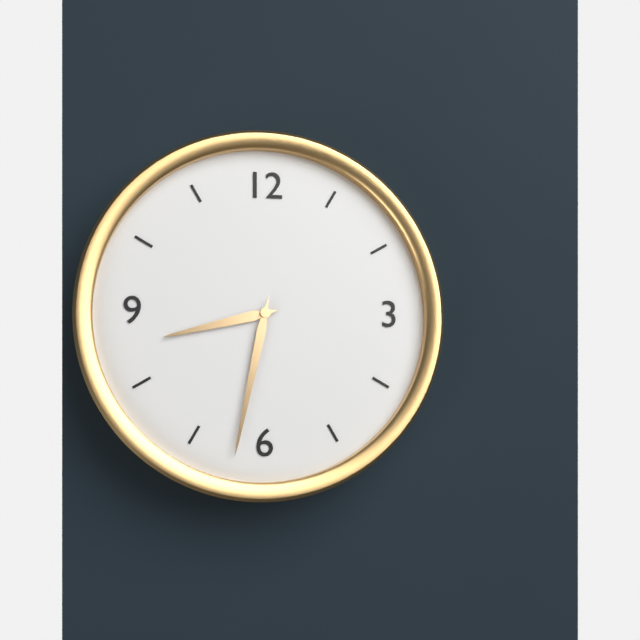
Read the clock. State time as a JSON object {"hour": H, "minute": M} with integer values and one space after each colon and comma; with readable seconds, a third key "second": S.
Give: {"hour": 8, "minute": 32}
